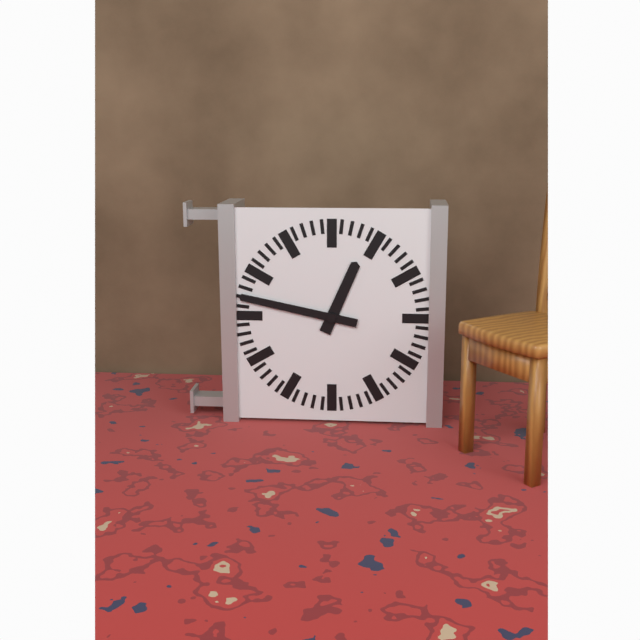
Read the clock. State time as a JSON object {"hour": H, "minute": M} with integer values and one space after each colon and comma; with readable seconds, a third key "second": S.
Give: {"hour": 12, "minute": 47}
